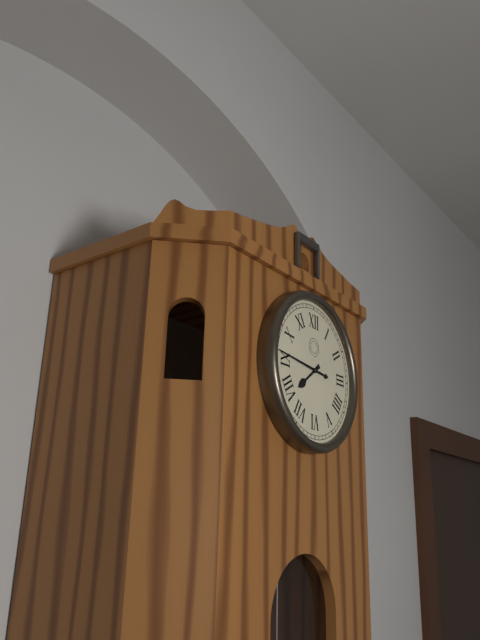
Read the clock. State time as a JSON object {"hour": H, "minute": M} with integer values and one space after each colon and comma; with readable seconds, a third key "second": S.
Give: {"hour": 7, "minute": 46}
